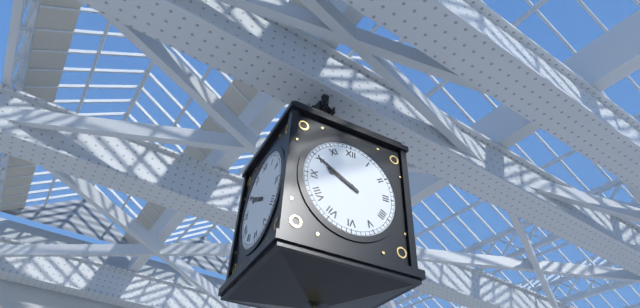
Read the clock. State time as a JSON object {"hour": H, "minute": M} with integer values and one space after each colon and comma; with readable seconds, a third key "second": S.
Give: {"hour": 9, "minute": 50}
